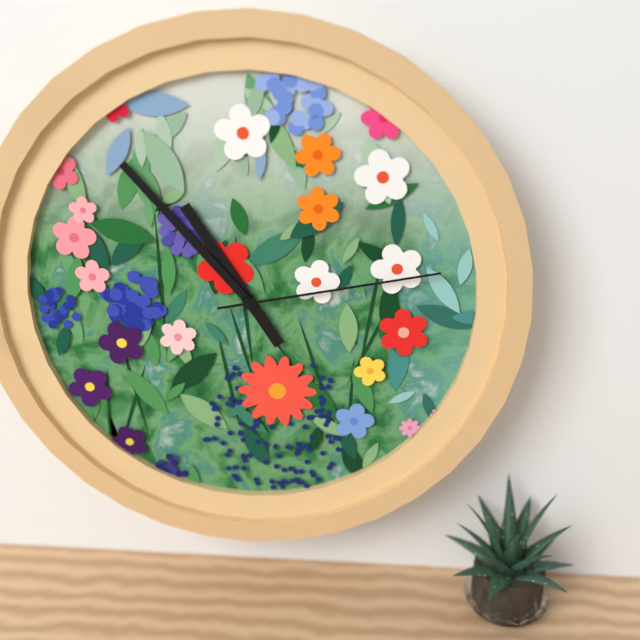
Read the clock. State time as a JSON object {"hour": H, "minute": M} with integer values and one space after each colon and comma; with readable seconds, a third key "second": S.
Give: {"hour": 10, "minute": 53, "second": 13}
